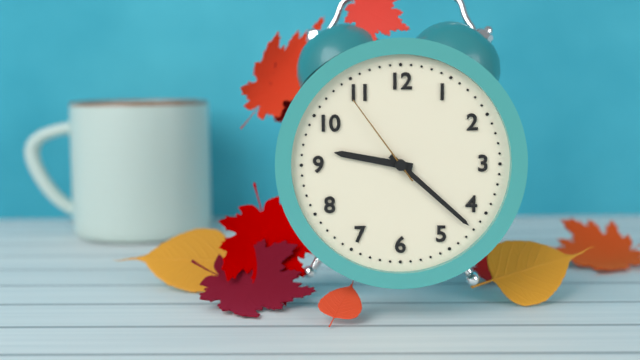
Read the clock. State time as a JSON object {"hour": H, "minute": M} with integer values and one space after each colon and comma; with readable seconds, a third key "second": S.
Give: {"hour": 9, "minute": 22, "second": 54}
